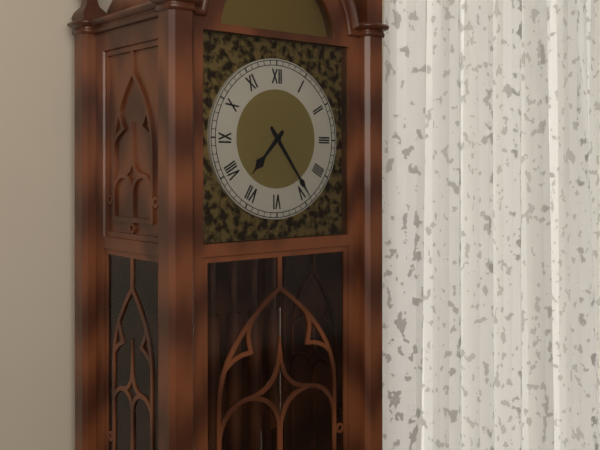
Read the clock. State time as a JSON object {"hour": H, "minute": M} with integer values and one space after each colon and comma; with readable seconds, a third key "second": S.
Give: {"hour": 7, "minute": 24}
